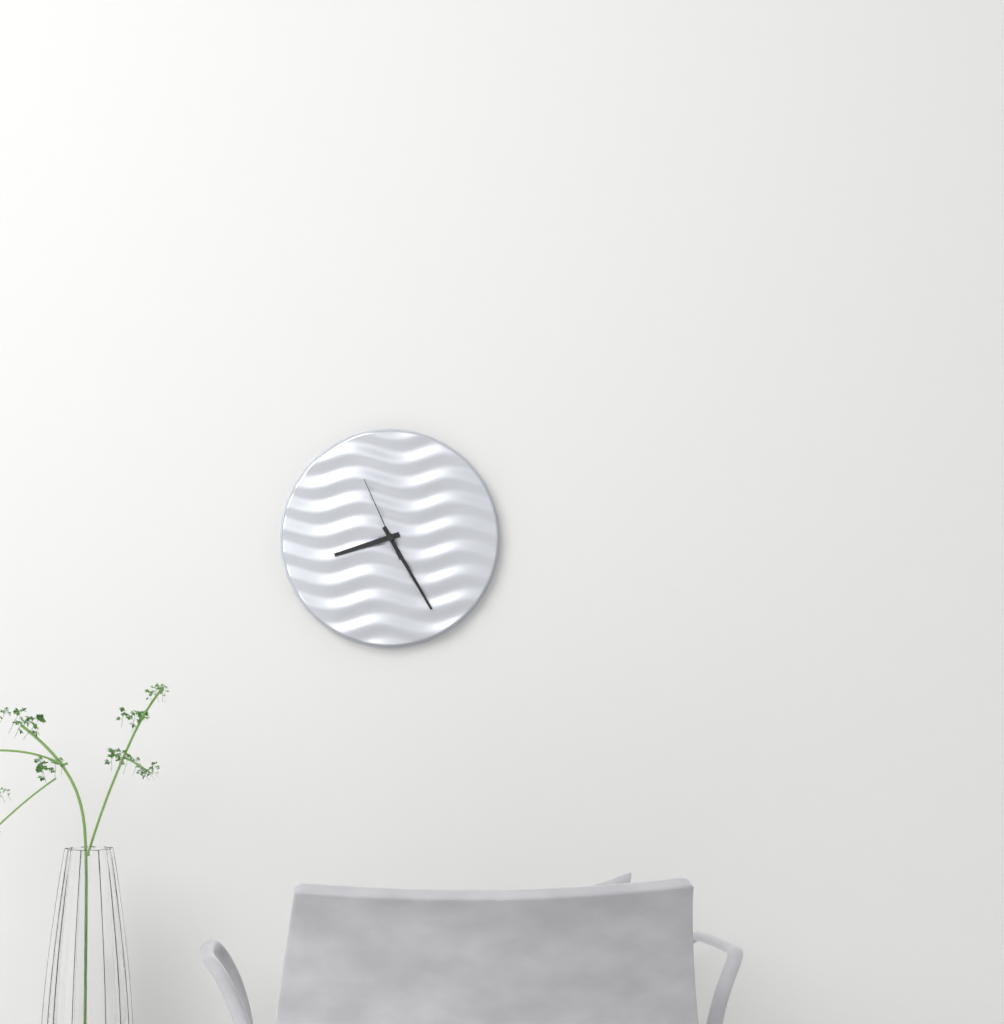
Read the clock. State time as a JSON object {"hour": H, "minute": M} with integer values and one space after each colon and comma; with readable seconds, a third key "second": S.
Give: {"hour": 8, "minute": 25, "second": 56}
